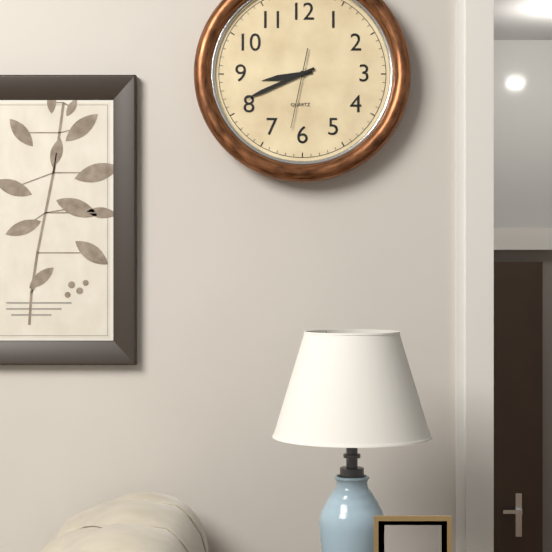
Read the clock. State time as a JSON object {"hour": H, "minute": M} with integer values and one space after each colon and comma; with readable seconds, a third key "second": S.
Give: {"hour": 8, "minute": 41, "second": 32}
